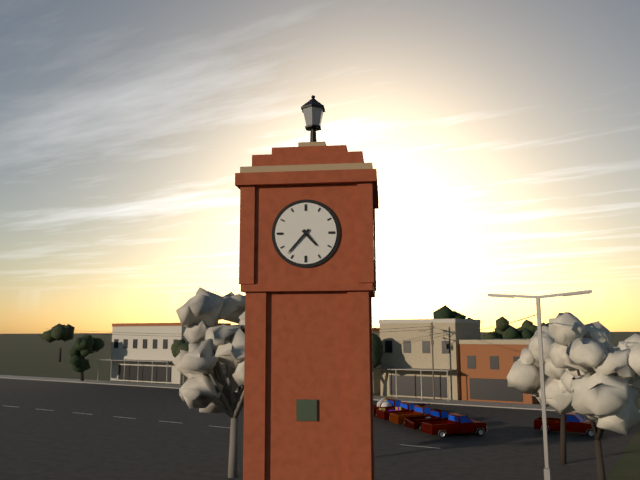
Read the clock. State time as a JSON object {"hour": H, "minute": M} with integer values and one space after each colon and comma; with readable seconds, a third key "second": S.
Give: {"hour": 4, "minute": 37}
